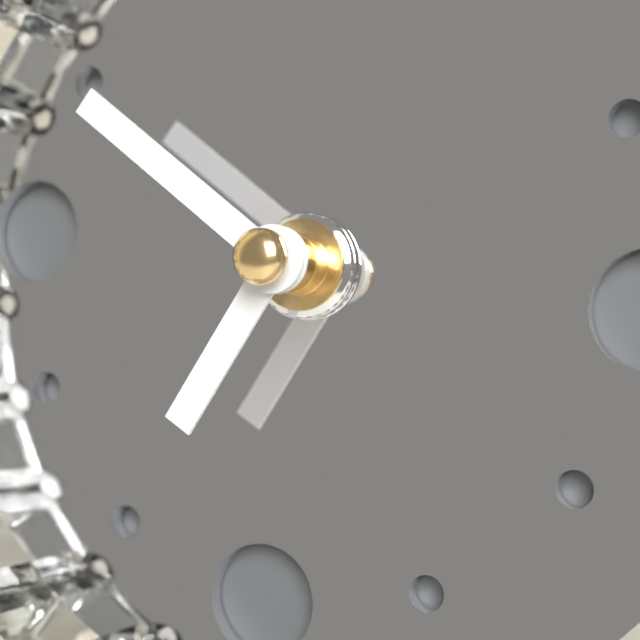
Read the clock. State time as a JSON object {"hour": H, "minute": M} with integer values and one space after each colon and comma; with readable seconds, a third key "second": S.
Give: {"hour": 6, "minute": 50}
